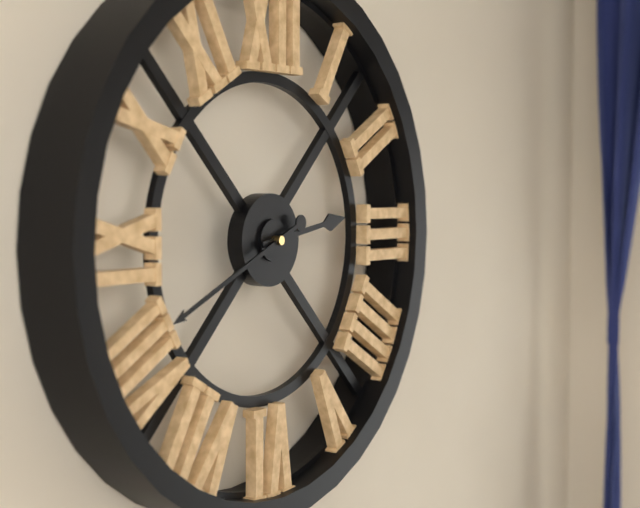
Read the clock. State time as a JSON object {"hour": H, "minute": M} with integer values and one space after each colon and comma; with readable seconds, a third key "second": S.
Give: {"hour": 2, "minute": 41}
